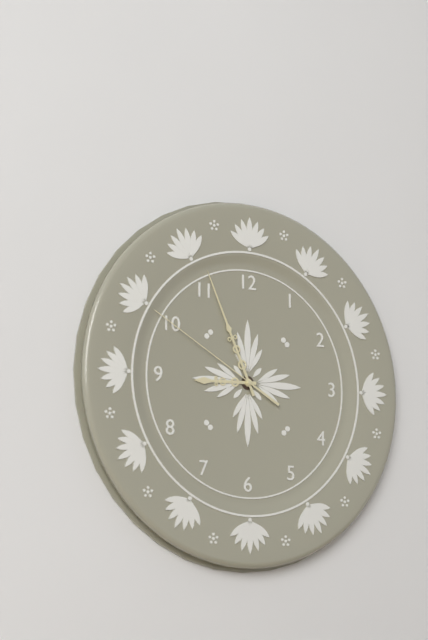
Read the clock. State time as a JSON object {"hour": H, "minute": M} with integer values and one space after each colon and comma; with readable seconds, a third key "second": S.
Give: {"hour": 8, "minute": 56, "second": 50}
